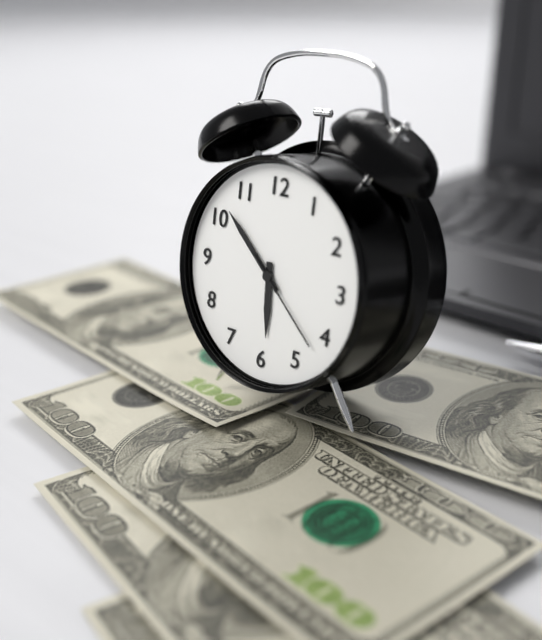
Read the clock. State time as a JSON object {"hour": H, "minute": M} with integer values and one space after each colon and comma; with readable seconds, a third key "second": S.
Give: {"hour": 5, "minute": 52, "second": 22}
